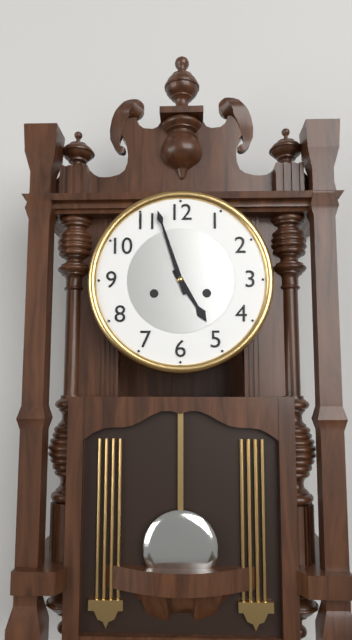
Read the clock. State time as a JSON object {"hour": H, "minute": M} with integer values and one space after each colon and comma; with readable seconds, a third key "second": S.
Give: {"hour": 4, "minute": 57}
